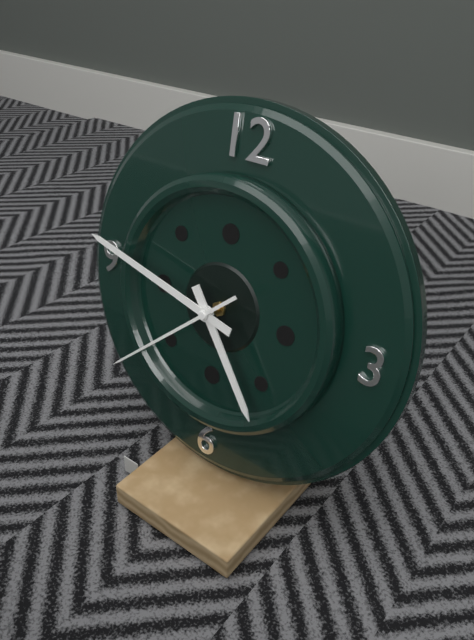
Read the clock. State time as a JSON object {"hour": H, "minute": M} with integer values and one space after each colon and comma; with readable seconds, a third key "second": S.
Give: {"hour": 4, "minute": 47, "second": 38}
